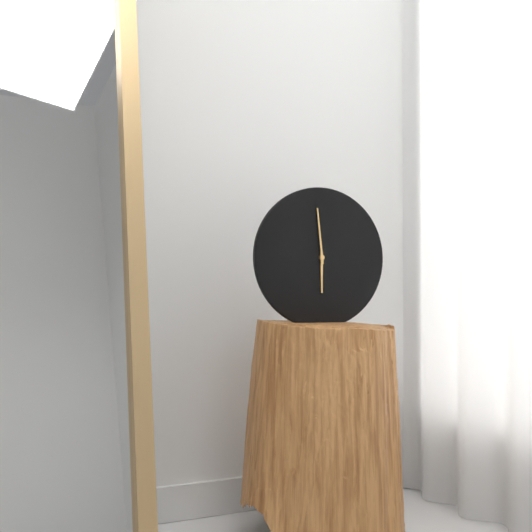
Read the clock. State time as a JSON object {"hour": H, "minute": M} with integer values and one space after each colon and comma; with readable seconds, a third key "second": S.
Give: {"hour": 5, "minute": 59}
